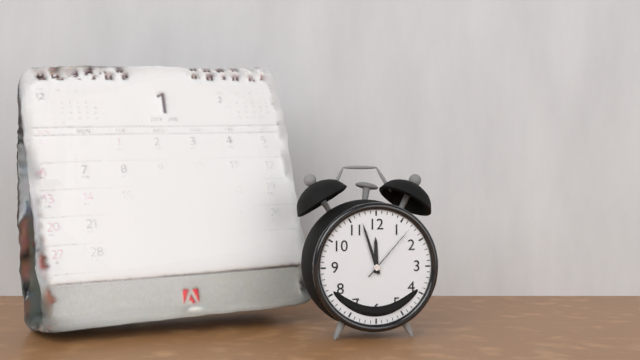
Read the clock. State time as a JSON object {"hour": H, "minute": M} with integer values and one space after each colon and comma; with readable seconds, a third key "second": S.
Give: {"hour": 11, "minute": 57, "second": 7}
